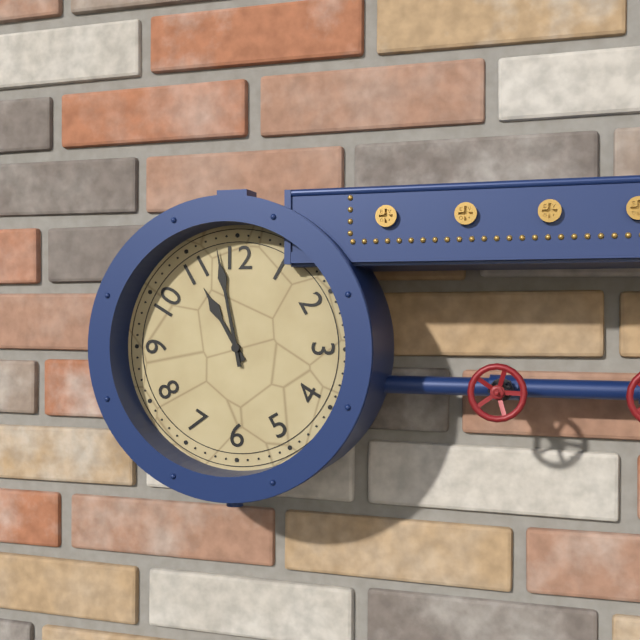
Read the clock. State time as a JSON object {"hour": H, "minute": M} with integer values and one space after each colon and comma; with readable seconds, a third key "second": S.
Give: {"hour": 10, "minute": 58}
